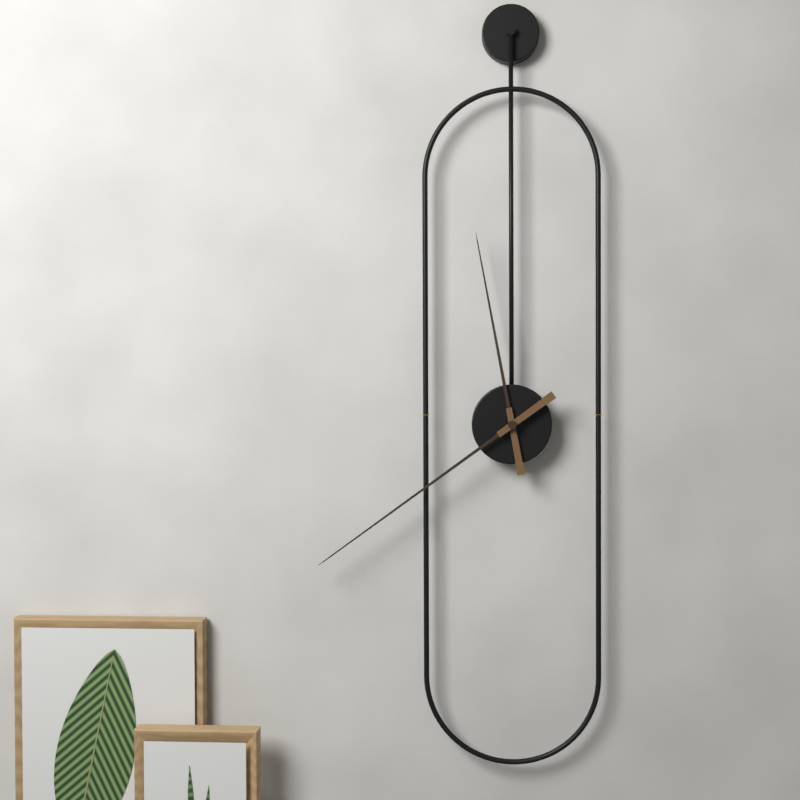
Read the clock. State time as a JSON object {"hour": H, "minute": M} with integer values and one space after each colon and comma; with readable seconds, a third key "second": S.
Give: {"hour": 11, "minute": 39}
